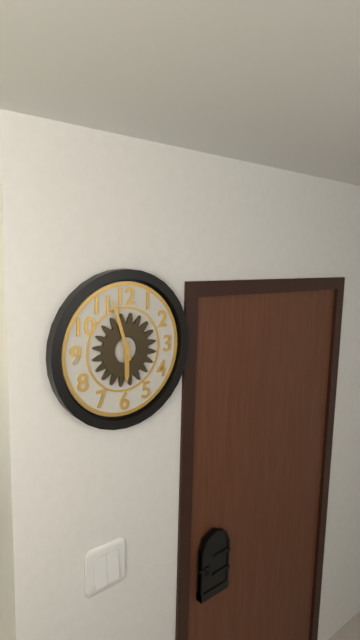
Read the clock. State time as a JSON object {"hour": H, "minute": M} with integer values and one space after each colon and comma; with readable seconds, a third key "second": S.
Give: {"hour": 5, "minute": 57}
